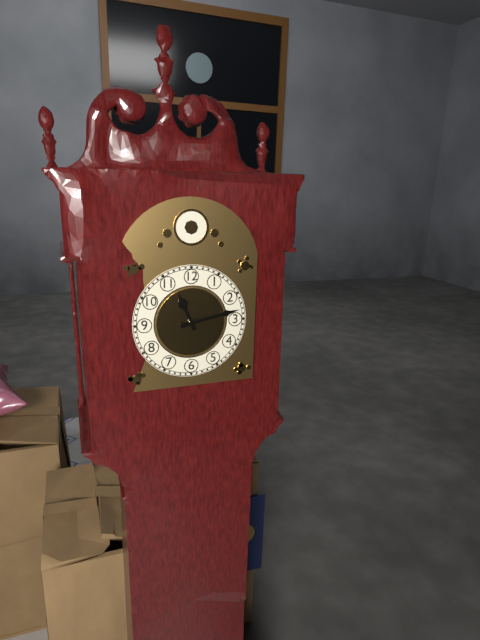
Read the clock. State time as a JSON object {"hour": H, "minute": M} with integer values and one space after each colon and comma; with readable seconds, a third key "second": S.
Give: {"hour": 11, "minute": 13}
